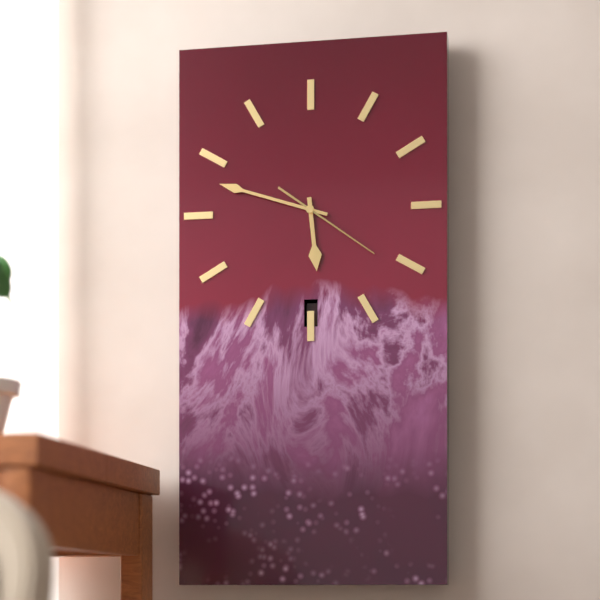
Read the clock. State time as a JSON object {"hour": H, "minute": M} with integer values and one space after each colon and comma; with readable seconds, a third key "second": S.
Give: {"hour": 5, "minute": 48, "second": 21}
